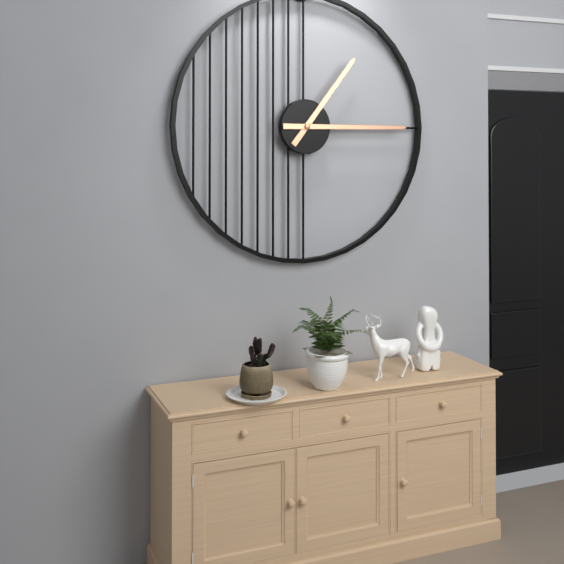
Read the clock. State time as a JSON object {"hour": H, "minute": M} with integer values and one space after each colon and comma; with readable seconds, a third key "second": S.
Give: {"hour": 1, "minute": 15}
